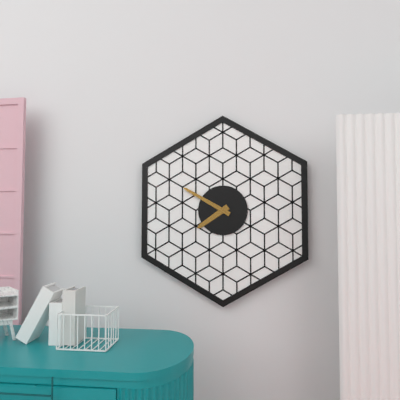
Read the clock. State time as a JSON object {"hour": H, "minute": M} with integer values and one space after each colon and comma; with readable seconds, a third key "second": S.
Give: {"hour": 7, "minute": 50}
